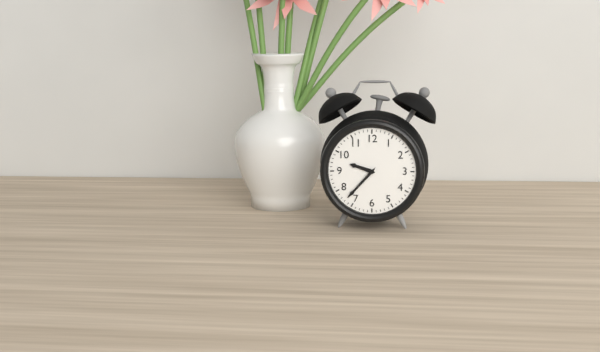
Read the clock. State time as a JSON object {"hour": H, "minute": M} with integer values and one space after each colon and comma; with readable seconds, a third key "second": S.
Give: {"hour": 9, "minute": 37}
